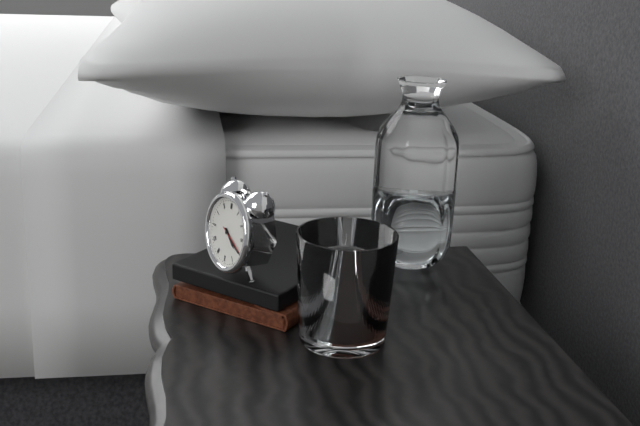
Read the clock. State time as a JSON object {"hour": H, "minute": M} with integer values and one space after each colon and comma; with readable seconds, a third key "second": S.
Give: {"hour": 4, "minute": 20}
